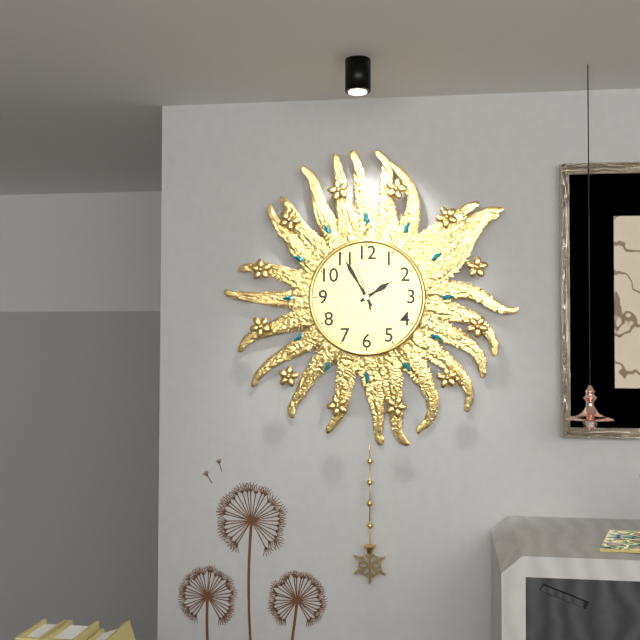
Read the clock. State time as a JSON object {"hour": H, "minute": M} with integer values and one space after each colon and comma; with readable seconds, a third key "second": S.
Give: {"hour": 1, "minute": 55, "second": 57}
